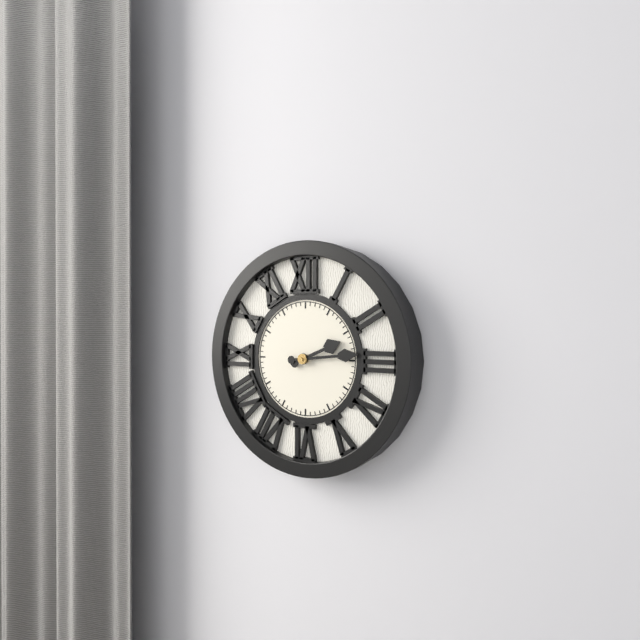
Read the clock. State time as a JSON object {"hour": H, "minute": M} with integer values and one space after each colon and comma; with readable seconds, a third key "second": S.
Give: {"hour": 2, "minute": 14}
